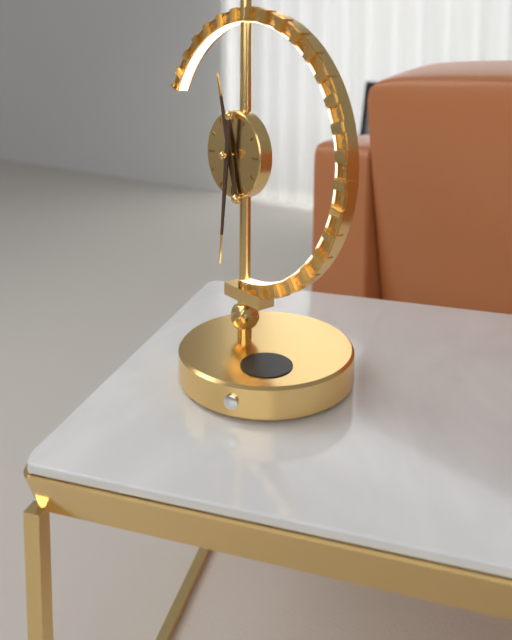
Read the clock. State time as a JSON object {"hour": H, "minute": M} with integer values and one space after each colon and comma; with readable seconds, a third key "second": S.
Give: {"hour": 11, "minute": 31}
